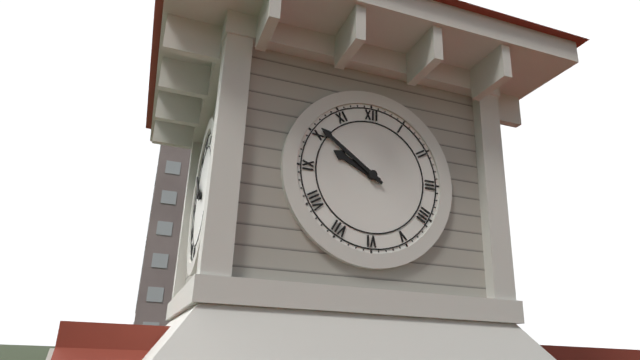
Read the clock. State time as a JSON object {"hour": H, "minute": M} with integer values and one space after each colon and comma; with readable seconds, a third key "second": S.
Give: {"hour": 9, "minute": 51}
